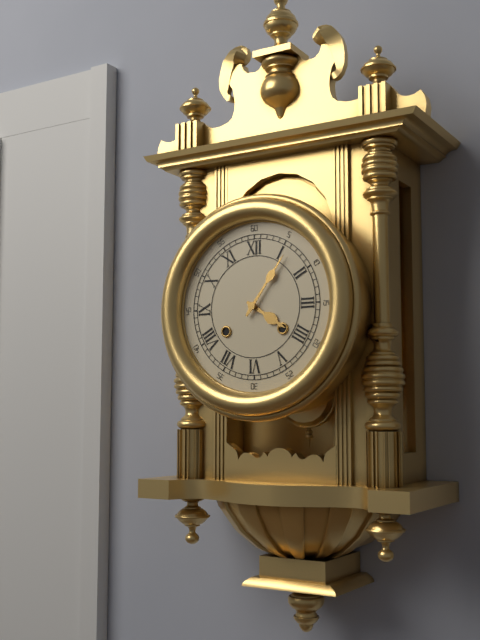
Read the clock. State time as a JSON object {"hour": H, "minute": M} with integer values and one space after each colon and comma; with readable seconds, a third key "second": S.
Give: {"hour": 4, "minute": 6}
